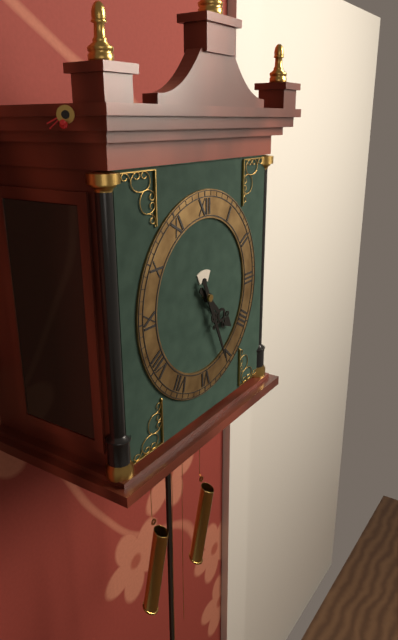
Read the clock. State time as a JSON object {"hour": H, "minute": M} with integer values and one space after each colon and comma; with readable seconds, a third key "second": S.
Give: {"hour": 4, "minute": 26}
